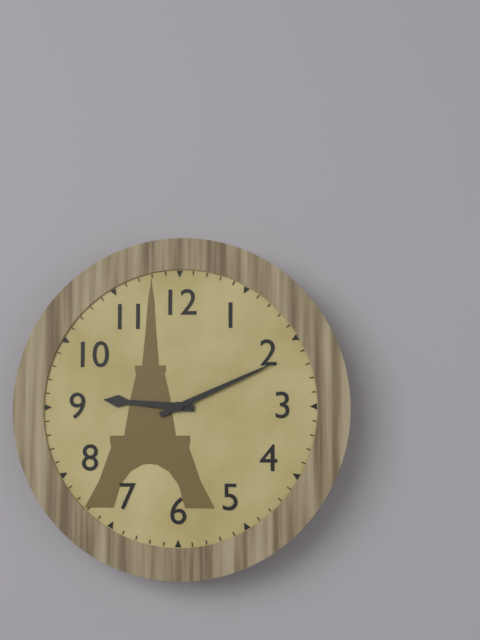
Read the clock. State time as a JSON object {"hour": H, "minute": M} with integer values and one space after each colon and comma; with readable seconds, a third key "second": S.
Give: {"hour": 9, "minute": 11}
